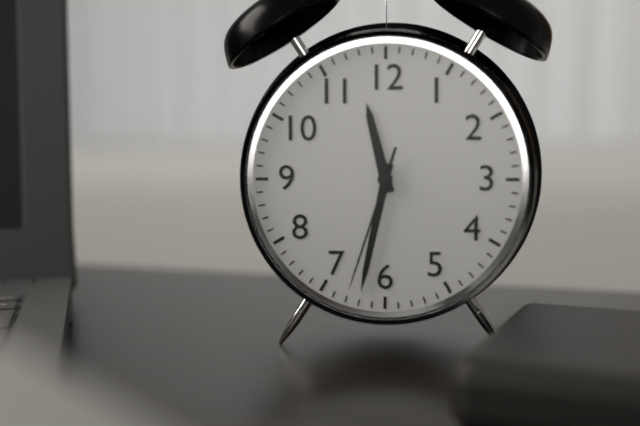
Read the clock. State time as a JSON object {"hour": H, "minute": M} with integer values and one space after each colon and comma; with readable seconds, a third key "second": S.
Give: {"hour": 11, "minute": 32, "second": 33}
